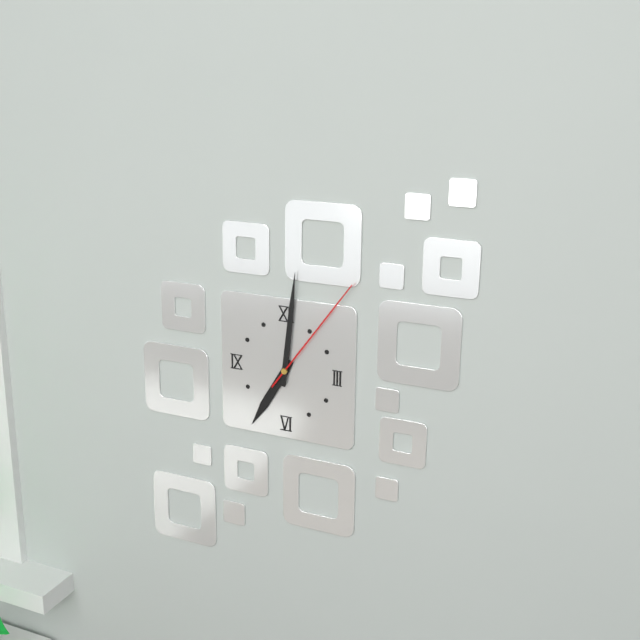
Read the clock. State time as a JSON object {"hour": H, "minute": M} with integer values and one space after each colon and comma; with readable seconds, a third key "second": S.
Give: {"hour": 7, "minute": 1, "second": 6}
